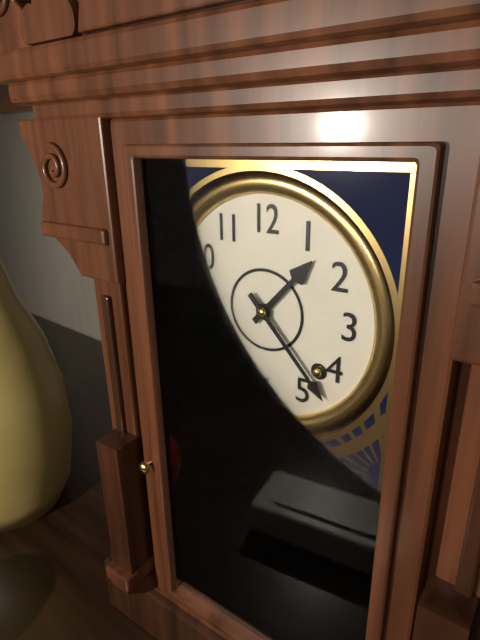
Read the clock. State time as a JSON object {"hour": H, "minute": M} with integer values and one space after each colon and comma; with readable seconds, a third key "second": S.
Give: {"hour": 1, "minute": 23}
